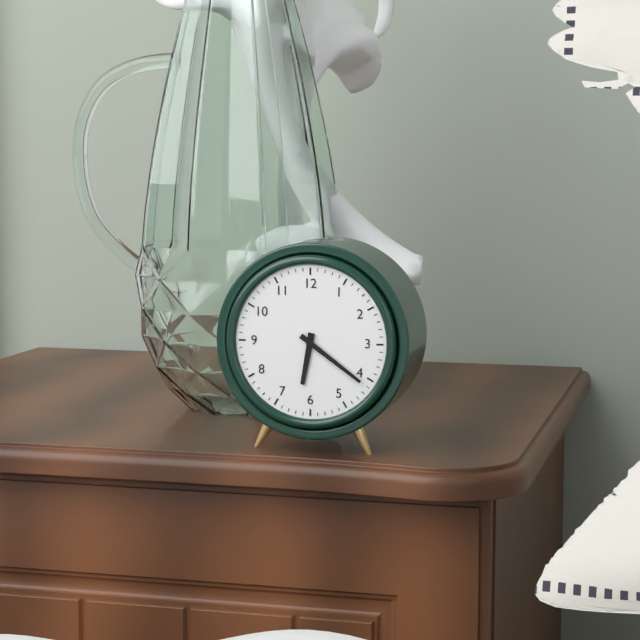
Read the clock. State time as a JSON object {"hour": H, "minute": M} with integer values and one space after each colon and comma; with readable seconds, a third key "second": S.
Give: {"hour": 6, "minute": 21}
